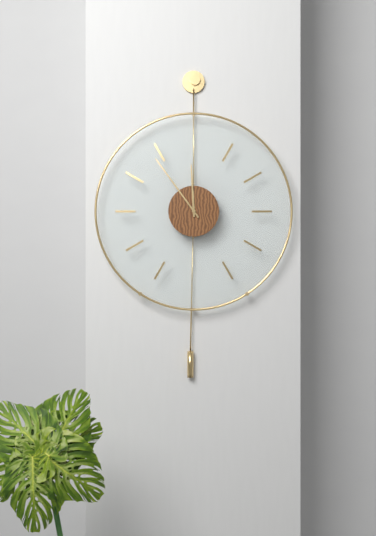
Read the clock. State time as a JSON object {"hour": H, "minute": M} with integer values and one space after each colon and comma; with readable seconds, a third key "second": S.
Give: {"hour": 11, "minute": 54}
